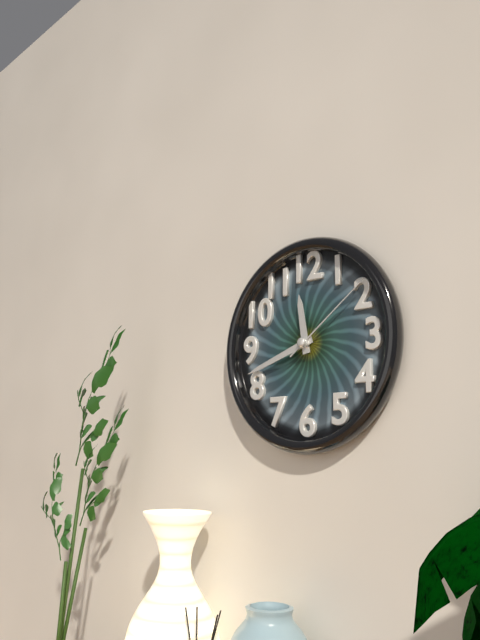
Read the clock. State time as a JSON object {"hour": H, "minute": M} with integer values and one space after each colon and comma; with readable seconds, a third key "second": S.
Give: {"hour": 11, "minute": 42, "second": 9}
